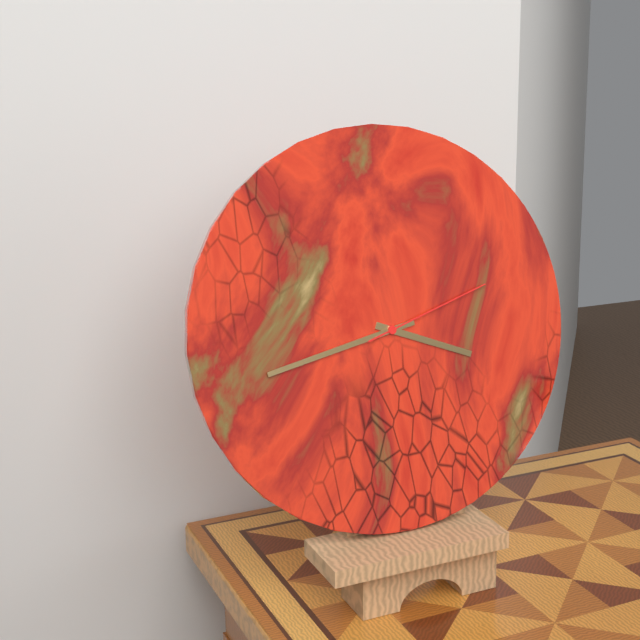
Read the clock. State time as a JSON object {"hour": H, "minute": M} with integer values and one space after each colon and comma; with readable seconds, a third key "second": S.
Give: {"hour": 3, "minute": 43, "second": 12}
